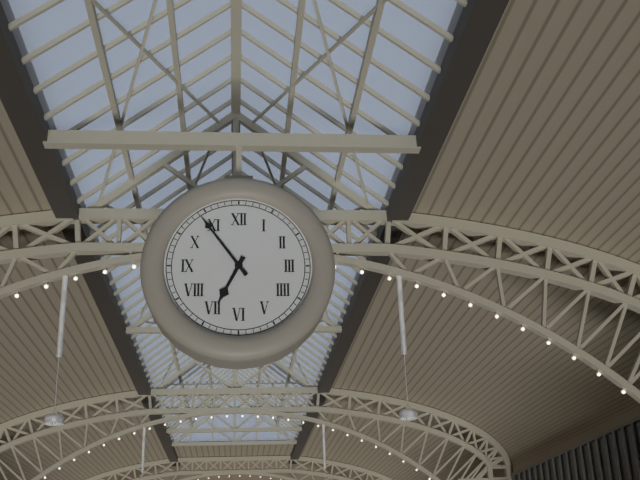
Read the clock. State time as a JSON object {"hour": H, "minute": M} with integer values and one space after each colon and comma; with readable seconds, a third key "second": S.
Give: {"hour": 6, "minute": 54}
